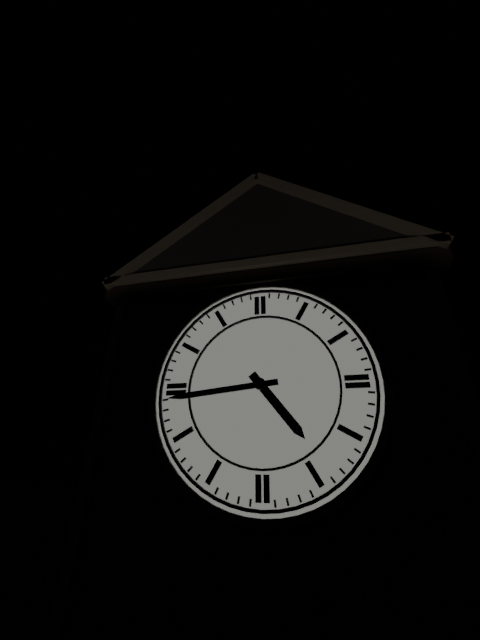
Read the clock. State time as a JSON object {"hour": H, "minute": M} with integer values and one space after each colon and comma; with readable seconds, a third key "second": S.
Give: {"hour": 4, "minute": 44}
